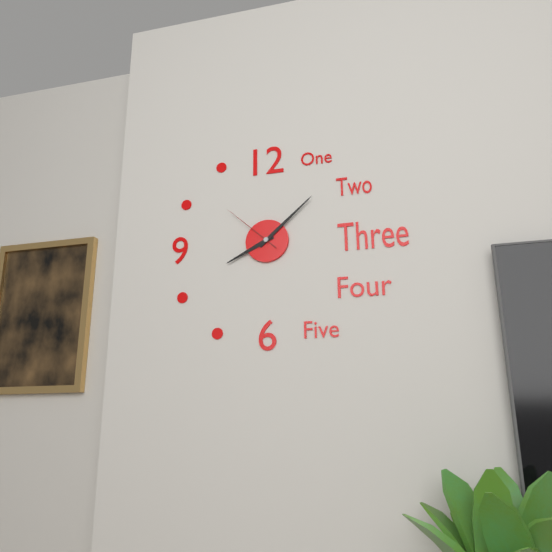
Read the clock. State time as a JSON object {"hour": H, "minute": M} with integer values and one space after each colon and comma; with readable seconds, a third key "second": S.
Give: {"hour": 8, "minute": 8, "second": 52}
